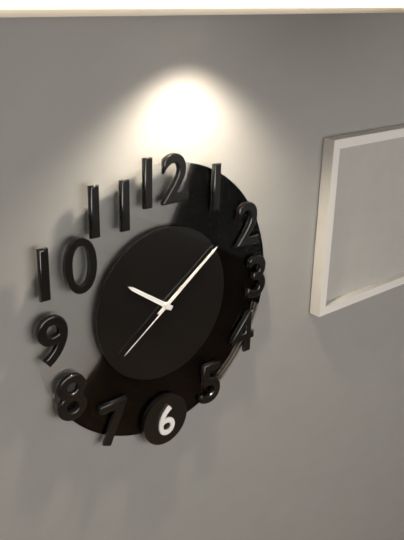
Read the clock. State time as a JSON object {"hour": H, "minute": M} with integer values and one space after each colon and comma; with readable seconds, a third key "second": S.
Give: {"hour": 10, "minute": 9, "second": 39}
